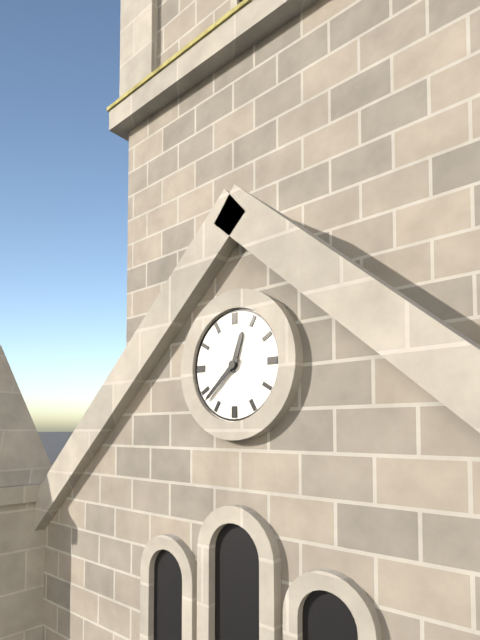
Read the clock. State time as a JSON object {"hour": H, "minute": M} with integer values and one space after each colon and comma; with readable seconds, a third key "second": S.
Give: {"hour": 12, "minute": 38}
